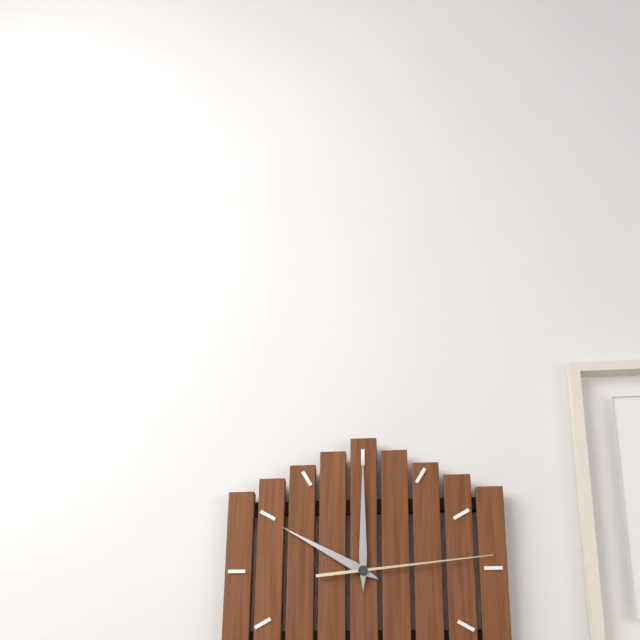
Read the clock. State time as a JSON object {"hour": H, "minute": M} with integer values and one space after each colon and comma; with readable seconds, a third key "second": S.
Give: {"hour": 10, "minute": 0, "second": 14}
